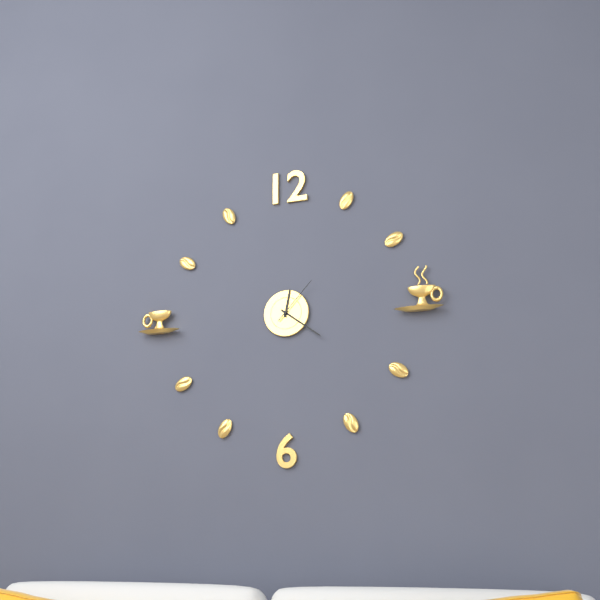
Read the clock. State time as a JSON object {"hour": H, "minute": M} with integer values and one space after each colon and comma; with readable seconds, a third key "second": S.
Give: {"hour": 12, "minute": 21, "second": 7}
